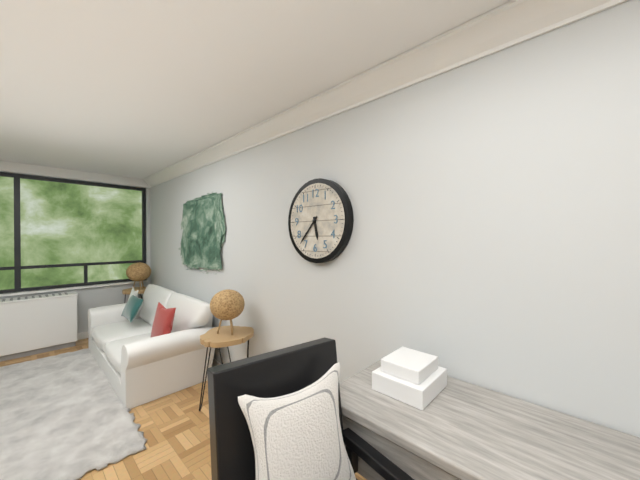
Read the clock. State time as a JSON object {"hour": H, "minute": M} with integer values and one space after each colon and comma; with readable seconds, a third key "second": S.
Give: {"hour": 5, "minute": 37}
